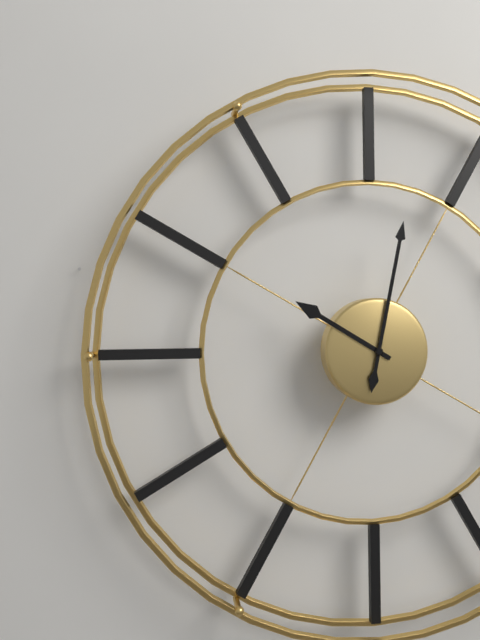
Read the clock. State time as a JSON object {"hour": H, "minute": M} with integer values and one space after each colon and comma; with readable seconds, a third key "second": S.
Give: {"hour": 10, "minute": 2}
